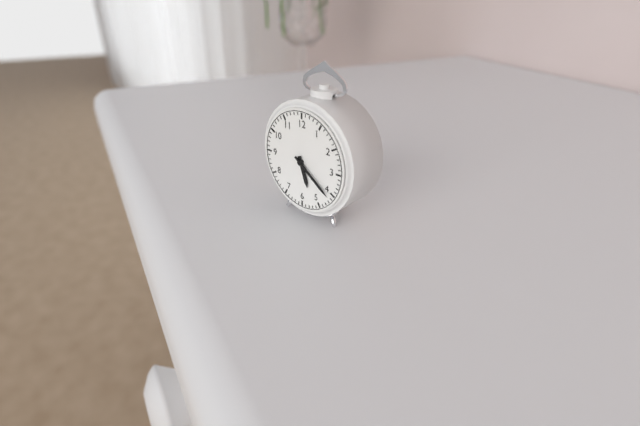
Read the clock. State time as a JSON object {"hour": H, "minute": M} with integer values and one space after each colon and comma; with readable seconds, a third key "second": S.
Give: {"hour": 5, "minute": 21}
